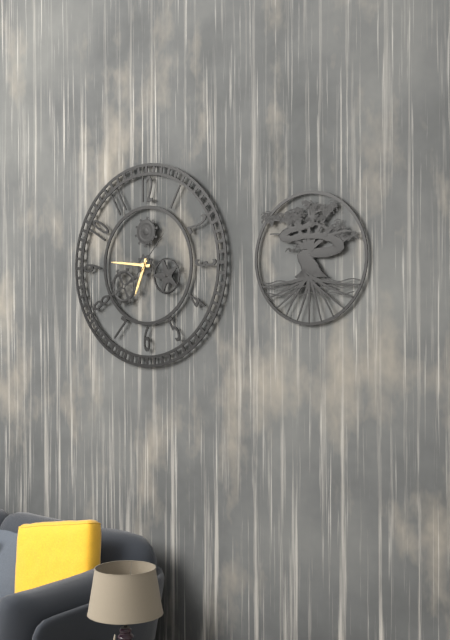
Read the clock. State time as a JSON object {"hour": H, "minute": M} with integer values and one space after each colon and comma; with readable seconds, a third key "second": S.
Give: {"hour": 6, "minute": 46}
